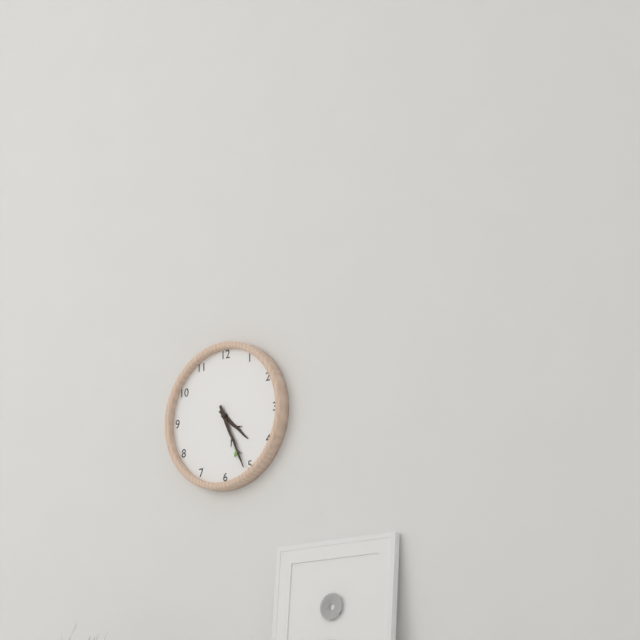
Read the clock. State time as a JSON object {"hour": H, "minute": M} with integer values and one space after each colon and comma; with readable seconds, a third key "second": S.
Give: {"hour": 4, "minute": 26}
